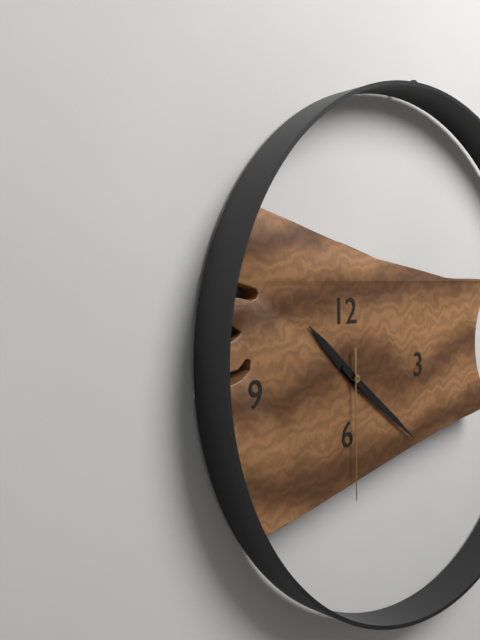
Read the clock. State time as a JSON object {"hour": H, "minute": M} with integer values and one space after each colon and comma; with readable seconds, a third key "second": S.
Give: {"hour": 10, "minute": 21, "second": 30}
